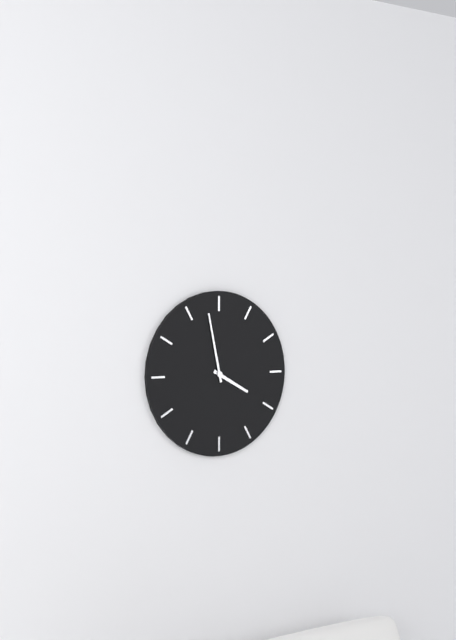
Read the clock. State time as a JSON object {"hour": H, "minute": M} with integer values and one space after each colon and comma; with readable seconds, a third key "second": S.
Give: {"hour": 3, "minute": 58}
